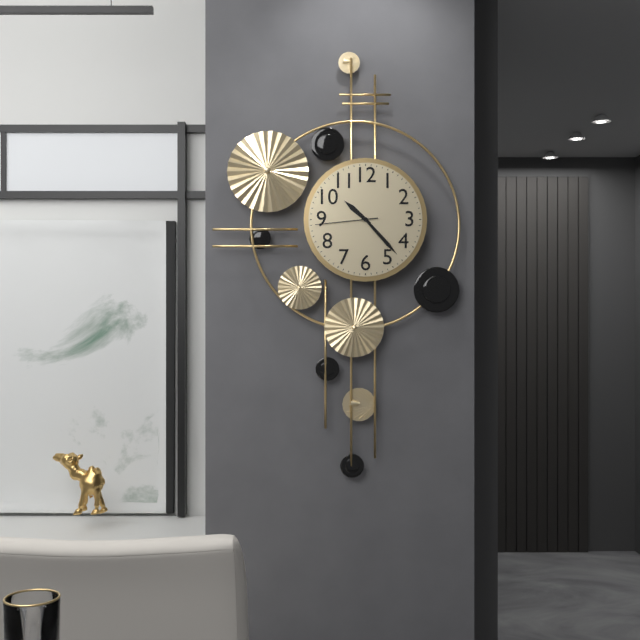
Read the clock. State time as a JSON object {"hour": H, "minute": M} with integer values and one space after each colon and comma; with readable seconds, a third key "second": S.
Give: {"hour": 10, "minute": 23, "second": 44}
